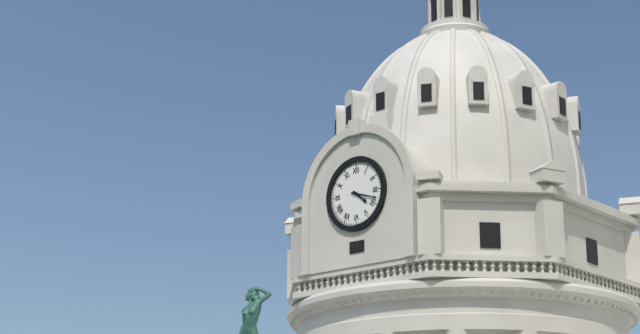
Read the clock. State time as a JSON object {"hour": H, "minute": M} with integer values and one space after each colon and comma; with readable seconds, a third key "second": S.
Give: {"hour": 4, "minute": 18}
